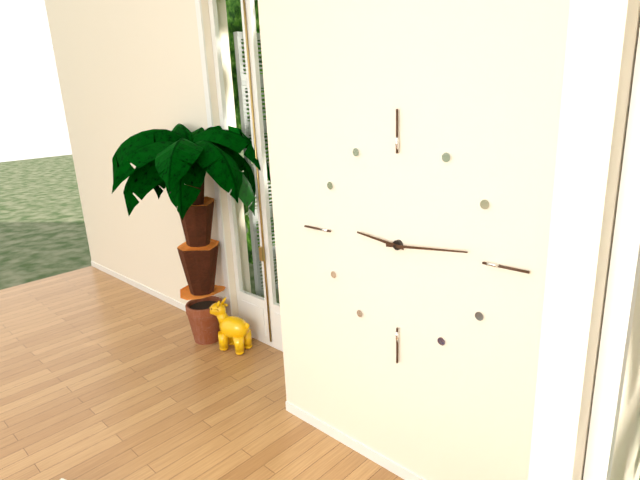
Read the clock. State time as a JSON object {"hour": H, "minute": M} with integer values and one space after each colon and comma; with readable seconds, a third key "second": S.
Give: {"hour": 9, "minute": 14}
